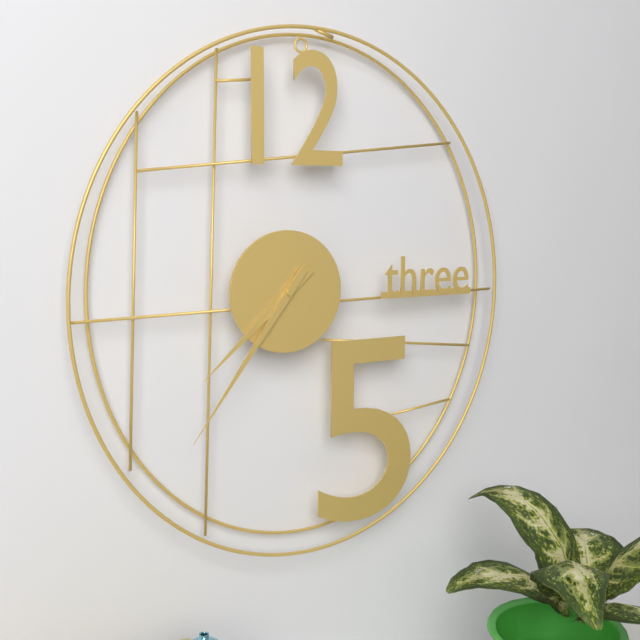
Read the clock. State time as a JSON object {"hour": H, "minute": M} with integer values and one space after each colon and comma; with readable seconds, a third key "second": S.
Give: {"hour": 7, "minute": 36}
